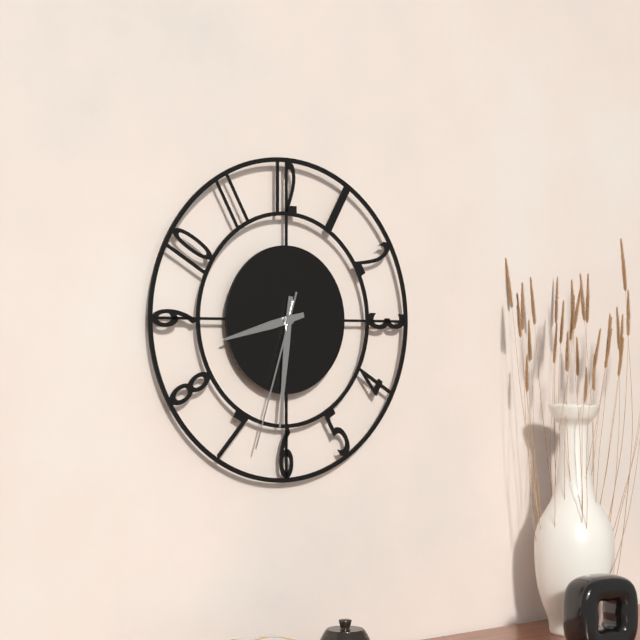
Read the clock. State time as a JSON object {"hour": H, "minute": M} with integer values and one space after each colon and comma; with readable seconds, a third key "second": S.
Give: {"hour": 8, "minute": 31, "second": 33}
